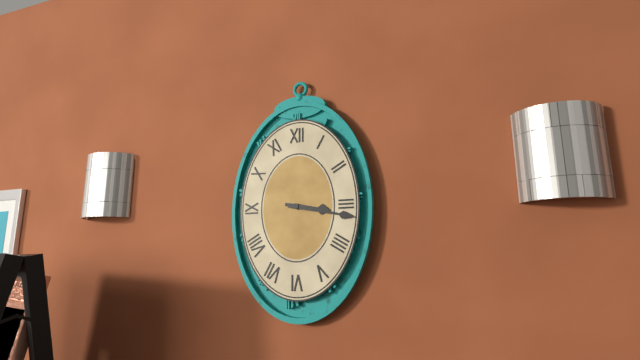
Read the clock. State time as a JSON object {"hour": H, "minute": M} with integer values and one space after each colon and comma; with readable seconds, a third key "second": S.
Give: {"hour": 3, "minute": 17}
